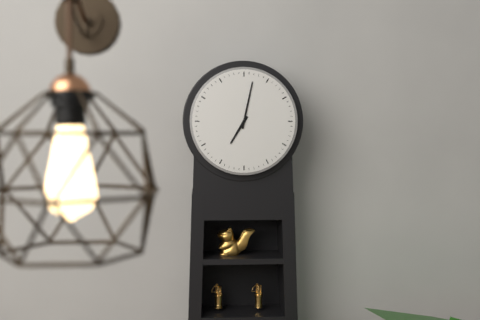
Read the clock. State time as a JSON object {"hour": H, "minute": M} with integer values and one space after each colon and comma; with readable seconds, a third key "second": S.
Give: {"hour": 7, "minute": 2}
